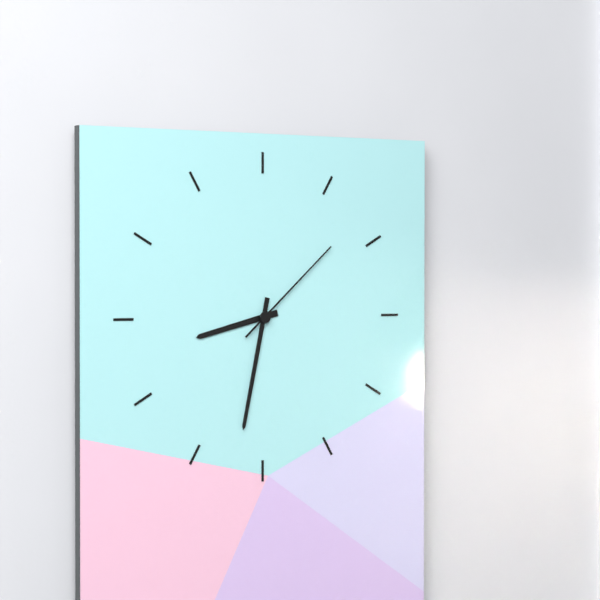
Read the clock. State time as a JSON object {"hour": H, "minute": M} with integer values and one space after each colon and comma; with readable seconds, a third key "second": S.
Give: {"hour": 8, "minute": 32, "second": 8}
